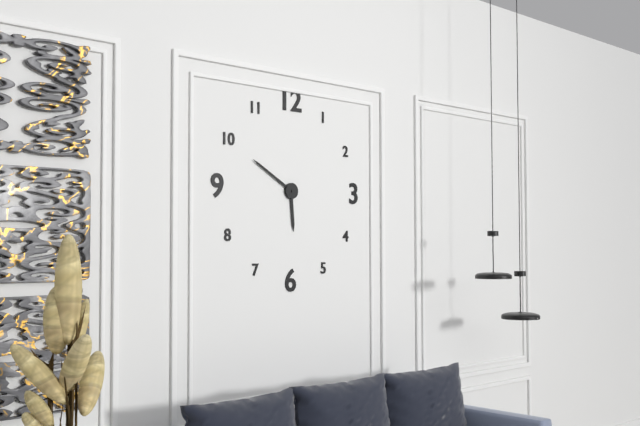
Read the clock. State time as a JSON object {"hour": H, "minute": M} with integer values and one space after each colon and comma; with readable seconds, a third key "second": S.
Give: {"hour": 5, "minute": 50}
